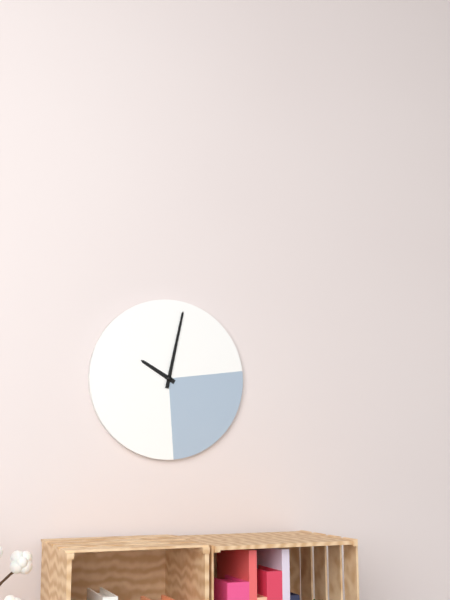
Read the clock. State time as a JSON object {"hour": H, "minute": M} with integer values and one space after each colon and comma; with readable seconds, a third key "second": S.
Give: {"hour": 10, "minute": 2}
